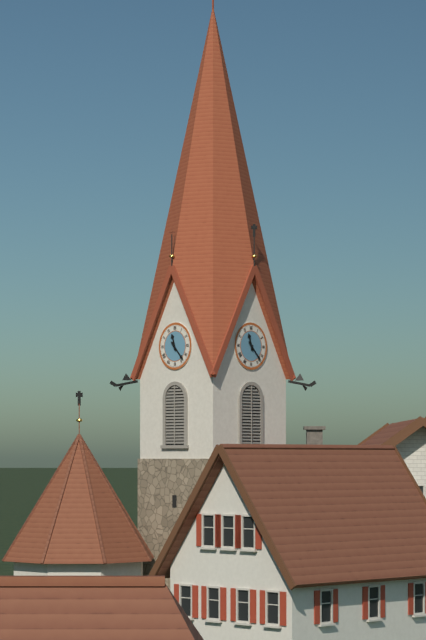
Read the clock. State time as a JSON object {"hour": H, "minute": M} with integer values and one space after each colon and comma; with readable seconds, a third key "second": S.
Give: {"hour": 11, "minute": 23}
